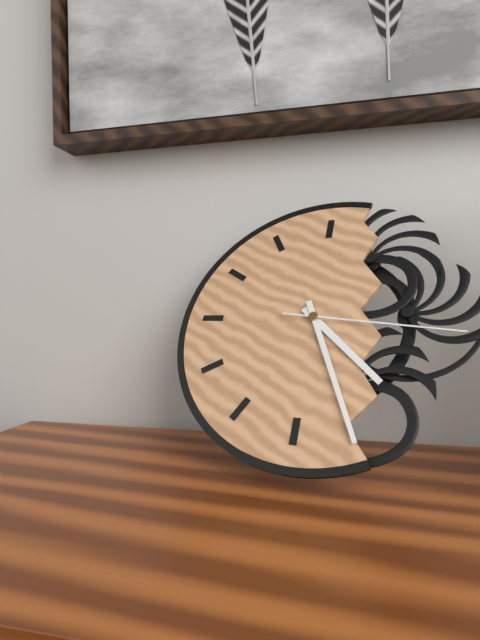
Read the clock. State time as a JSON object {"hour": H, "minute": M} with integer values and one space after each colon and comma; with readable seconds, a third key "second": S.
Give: {"hour": 4, "minute": 26, "second": 16}
